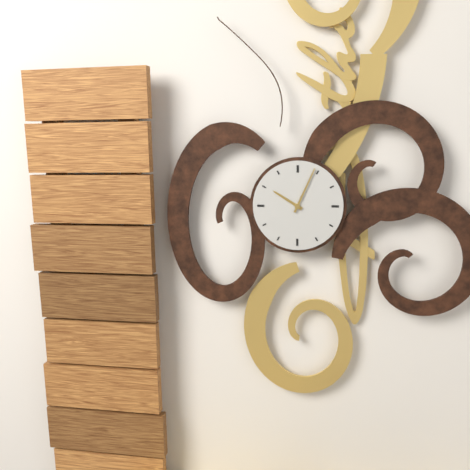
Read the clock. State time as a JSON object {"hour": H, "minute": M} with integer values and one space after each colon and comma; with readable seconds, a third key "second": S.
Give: {"hour": 10, "minute": 4}
